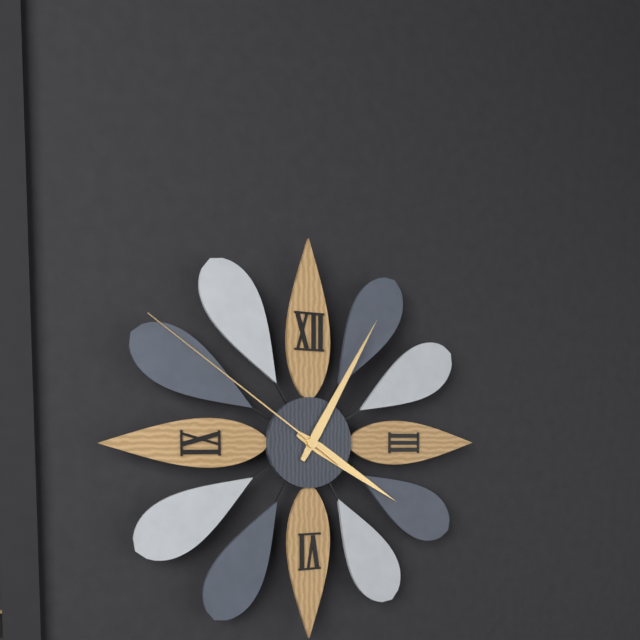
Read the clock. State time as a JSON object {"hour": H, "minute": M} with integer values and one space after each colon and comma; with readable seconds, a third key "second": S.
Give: {"hour": 4, "minute": 5, "second": 51}
